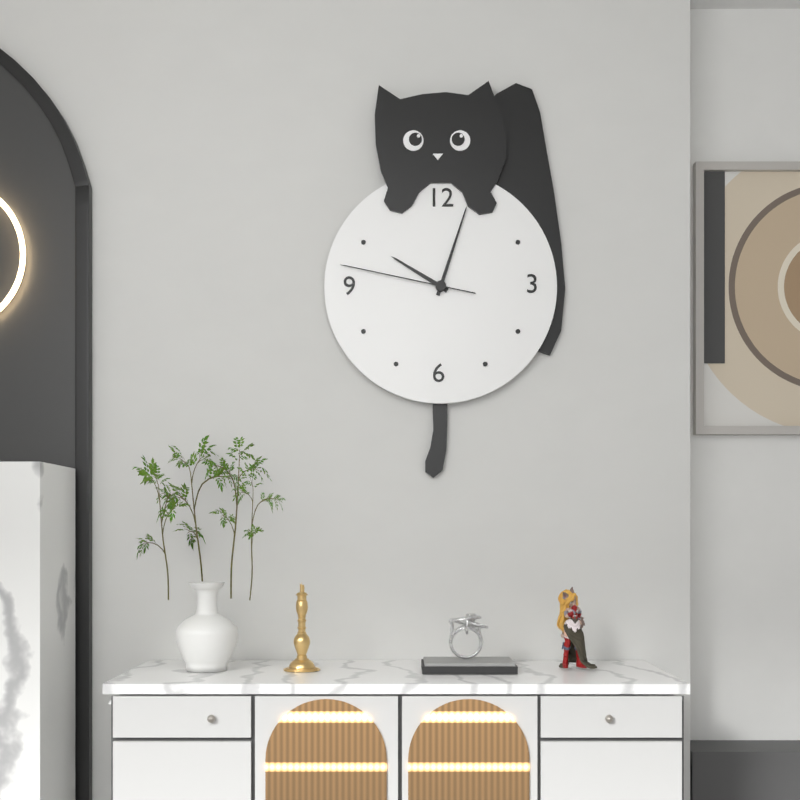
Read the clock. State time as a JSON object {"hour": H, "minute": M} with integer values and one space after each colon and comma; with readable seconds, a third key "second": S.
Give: {"hour": 10, "minute": 3, "second": 47}
